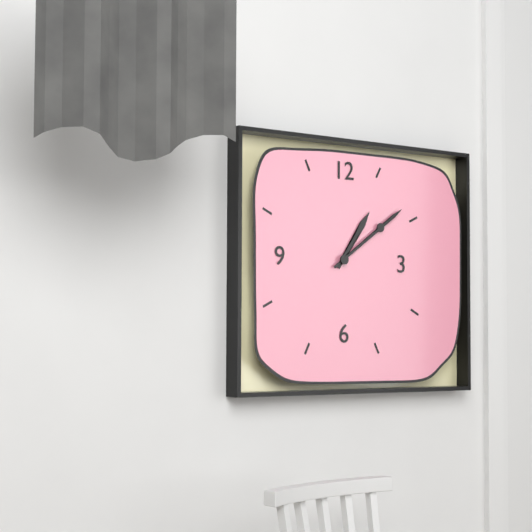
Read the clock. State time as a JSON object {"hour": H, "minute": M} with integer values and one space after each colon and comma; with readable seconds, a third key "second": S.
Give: {"hour": 1, "minute": 9}
